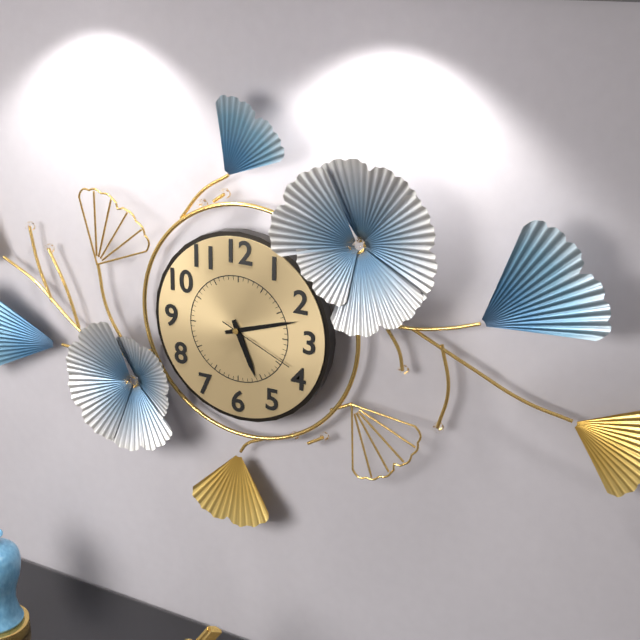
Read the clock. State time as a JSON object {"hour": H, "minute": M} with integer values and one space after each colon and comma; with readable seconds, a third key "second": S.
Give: {"hour": 5, "minute": 12, "second": 19}
